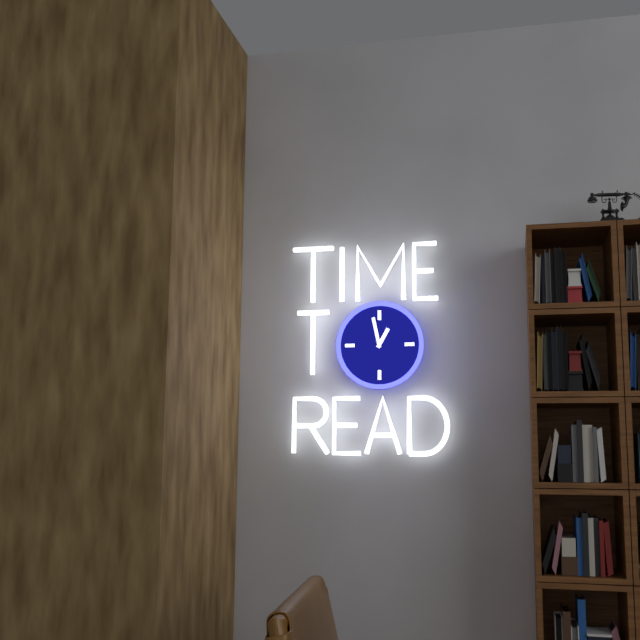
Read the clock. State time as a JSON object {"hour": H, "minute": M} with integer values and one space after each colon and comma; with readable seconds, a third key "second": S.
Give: {"hour": 12, "minute": 58}
